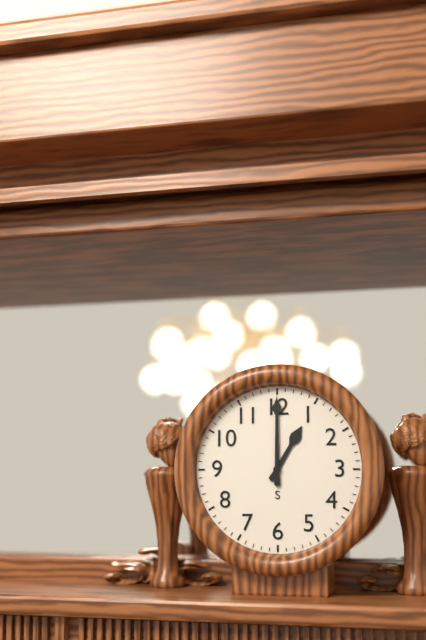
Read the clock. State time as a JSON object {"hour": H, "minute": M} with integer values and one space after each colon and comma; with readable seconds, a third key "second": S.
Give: {"hour": 1, "minute": 0}
